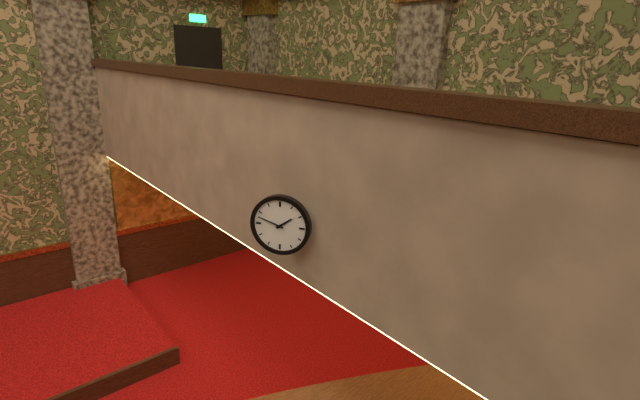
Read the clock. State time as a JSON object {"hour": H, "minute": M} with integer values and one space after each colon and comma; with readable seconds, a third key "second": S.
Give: {"hour": 1, "minute": 48}
